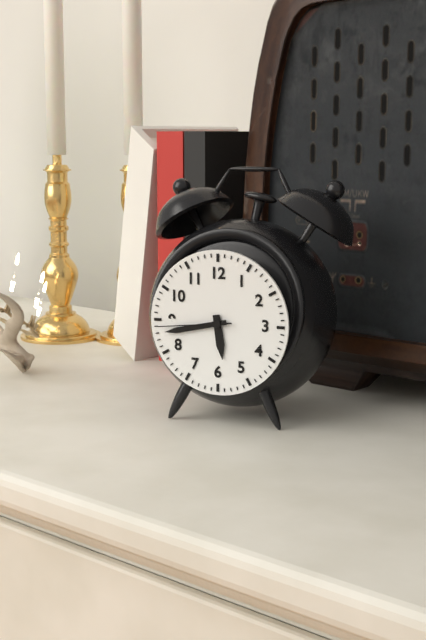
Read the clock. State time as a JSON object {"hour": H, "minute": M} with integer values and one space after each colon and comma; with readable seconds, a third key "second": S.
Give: {"hour": 5, "minute": 43, "second": 44}
